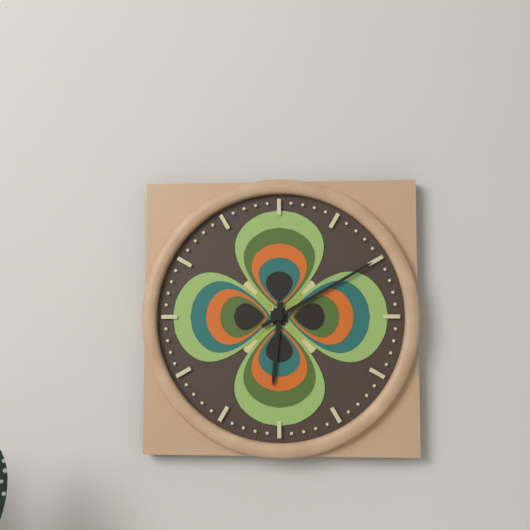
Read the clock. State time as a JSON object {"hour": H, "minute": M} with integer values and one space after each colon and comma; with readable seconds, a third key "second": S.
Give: {"hour": 6, "minute": 10}
